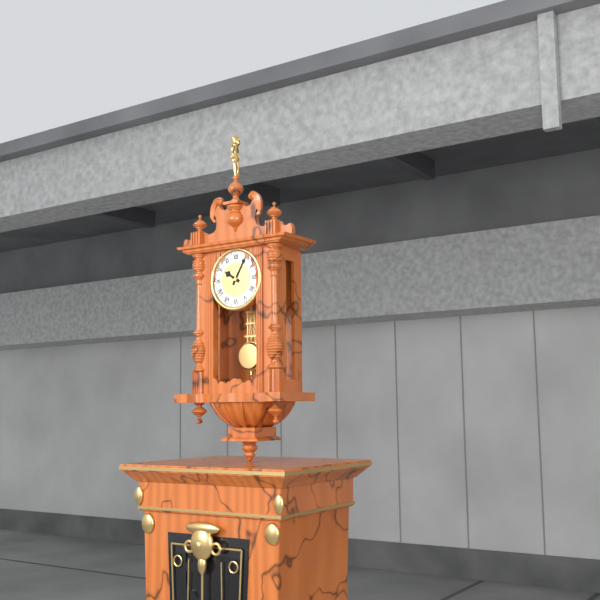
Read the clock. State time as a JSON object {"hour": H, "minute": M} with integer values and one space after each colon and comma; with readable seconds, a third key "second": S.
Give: {"hour": 10, "minute": 5}
